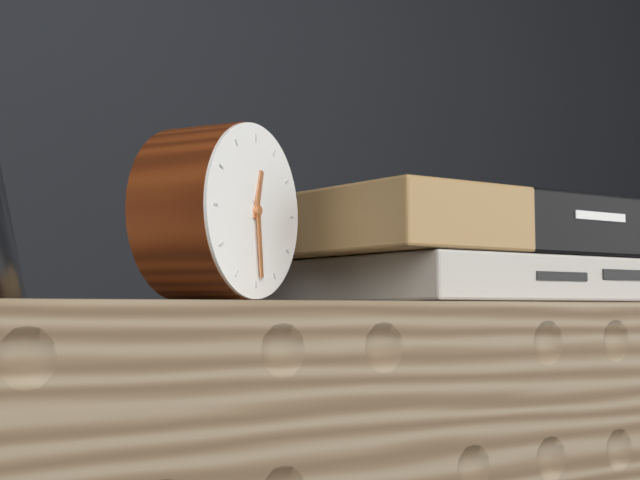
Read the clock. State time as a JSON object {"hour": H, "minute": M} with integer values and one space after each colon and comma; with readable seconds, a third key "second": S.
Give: {"hour": 12, "minute": 29}
